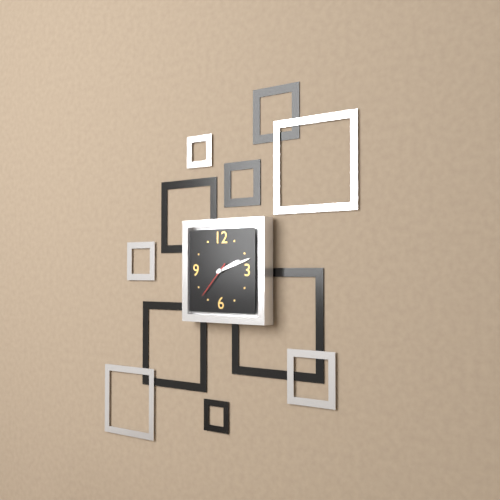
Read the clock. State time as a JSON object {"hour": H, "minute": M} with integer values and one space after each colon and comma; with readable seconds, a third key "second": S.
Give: {"hour": 2, "minute": 12}
